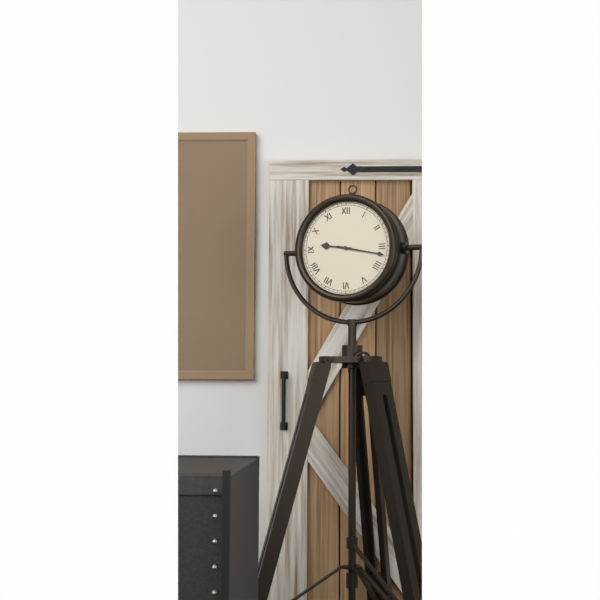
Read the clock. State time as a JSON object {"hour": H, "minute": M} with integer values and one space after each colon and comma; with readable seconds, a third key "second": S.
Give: {"hour": 9, "minute": 17}
